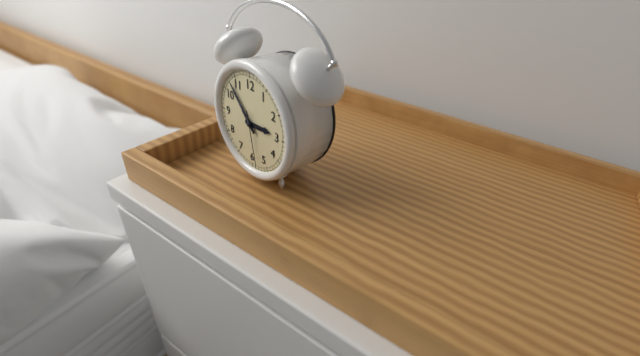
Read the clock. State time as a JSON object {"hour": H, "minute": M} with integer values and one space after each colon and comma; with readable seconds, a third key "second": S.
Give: {"hour": 2, "minute": 53, "second": 28}
